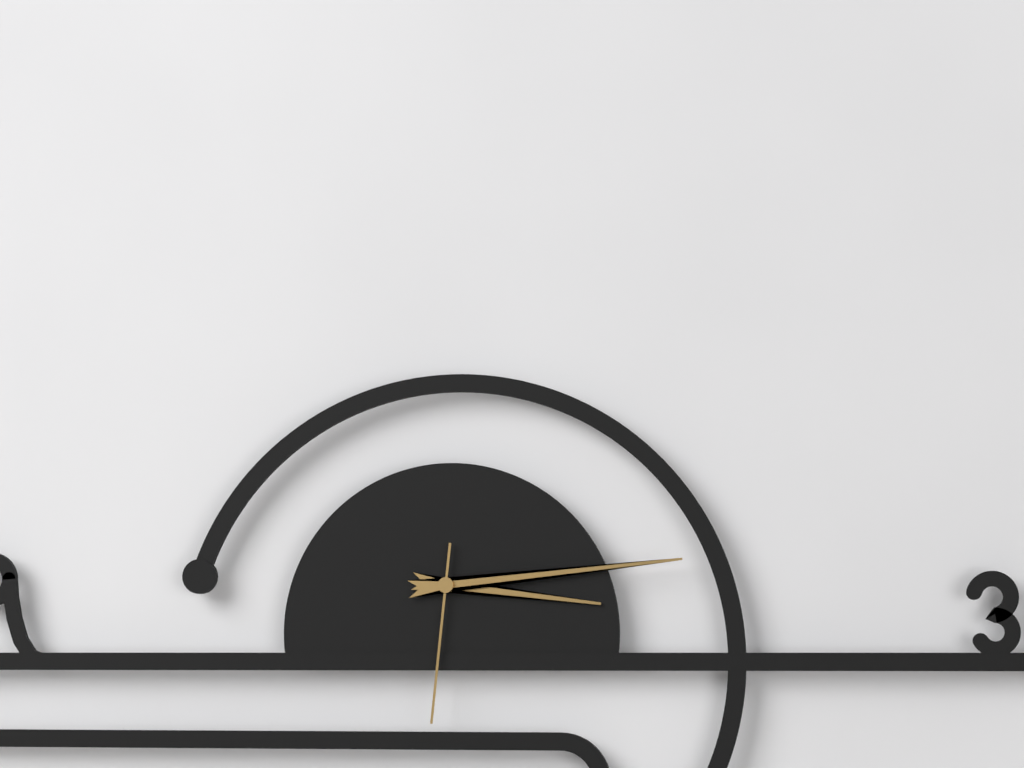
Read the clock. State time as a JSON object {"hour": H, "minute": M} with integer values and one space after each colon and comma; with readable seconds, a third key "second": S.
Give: {"hour": 3, "minute": 14, "second": 31}
